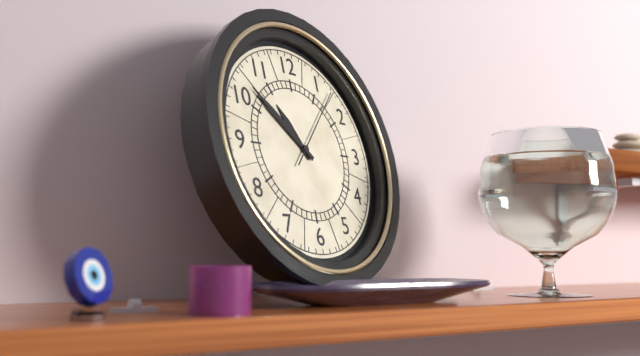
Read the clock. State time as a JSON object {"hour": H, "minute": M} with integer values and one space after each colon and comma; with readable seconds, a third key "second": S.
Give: {"hour": 10, "minute": 52, "second": 7}
